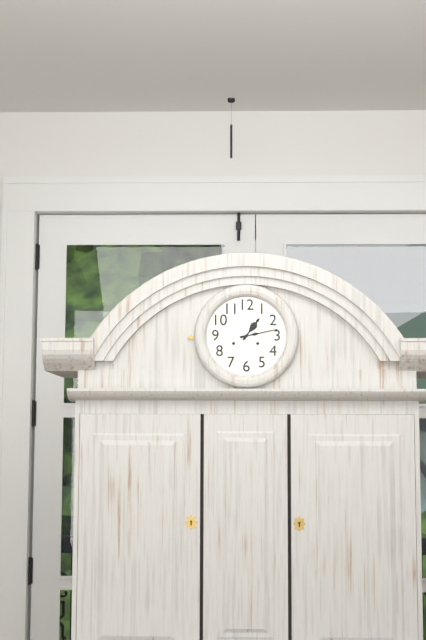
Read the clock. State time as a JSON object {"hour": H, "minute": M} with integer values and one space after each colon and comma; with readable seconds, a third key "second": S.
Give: {"hour": 1, "minute": 13}
